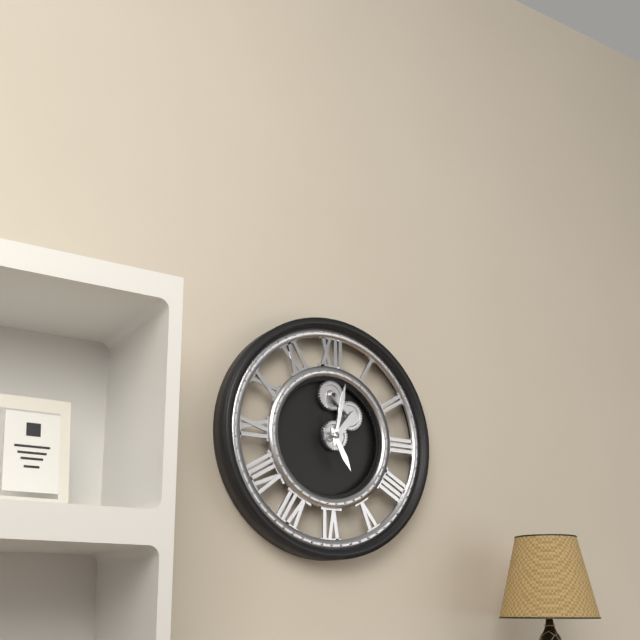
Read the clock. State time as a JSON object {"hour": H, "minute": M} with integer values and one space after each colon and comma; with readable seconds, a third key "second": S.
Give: {"hour": 5, "minute": 2}
